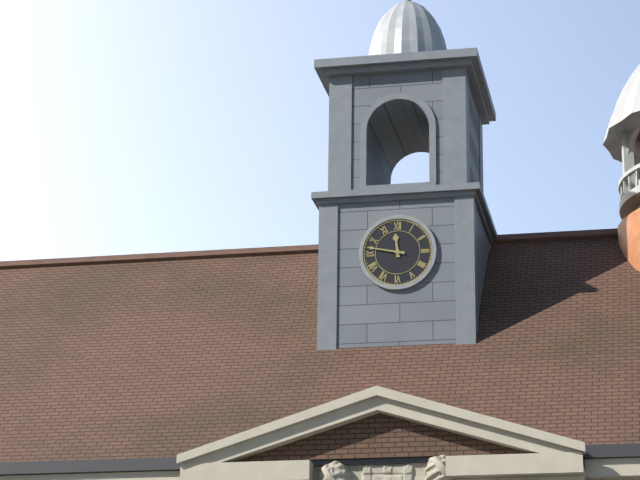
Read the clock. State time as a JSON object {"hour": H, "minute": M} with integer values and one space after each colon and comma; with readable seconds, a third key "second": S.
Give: {"hour": 11, "minute": 47}
